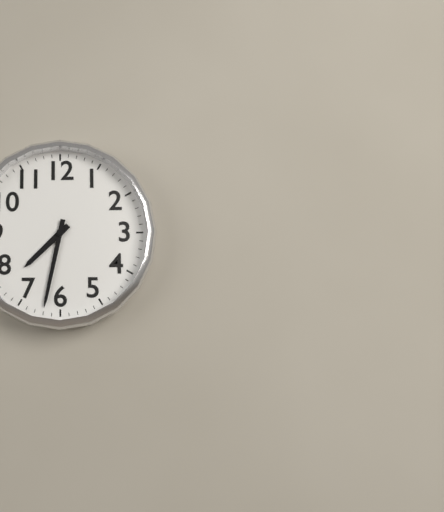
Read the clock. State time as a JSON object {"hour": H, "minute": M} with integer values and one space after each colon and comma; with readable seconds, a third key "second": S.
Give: {"hour": 7, "minute": 32}
